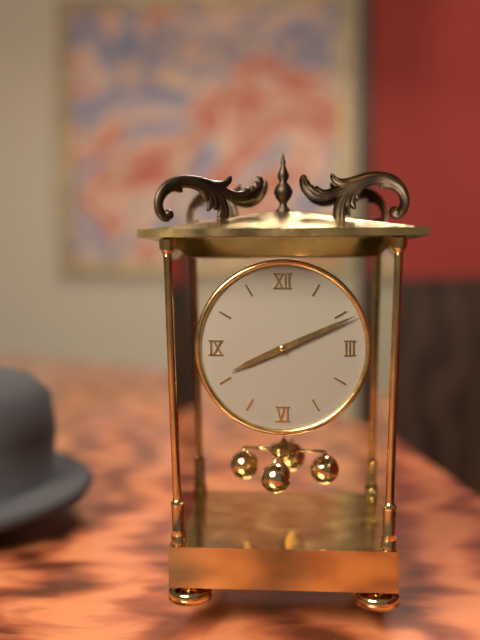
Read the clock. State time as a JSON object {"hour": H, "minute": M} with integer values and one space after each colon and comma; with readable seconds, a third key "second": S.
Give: {"hour": 8, "minute": 11}
